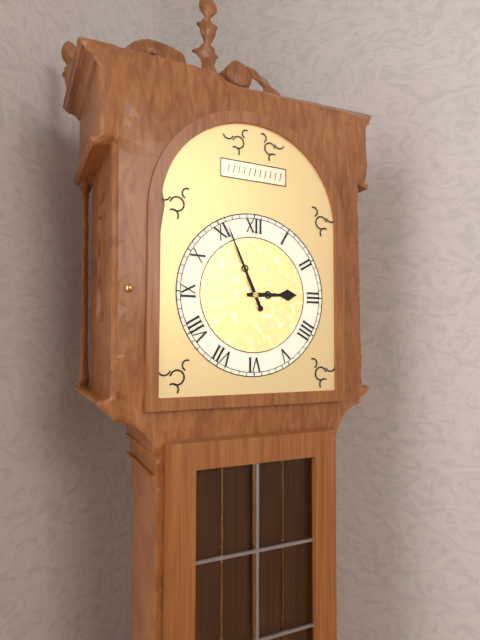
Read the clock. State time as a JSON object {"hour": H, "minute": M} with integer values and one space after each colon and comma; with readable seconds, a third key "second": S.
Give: {"hour": 2, "minute": 56}
